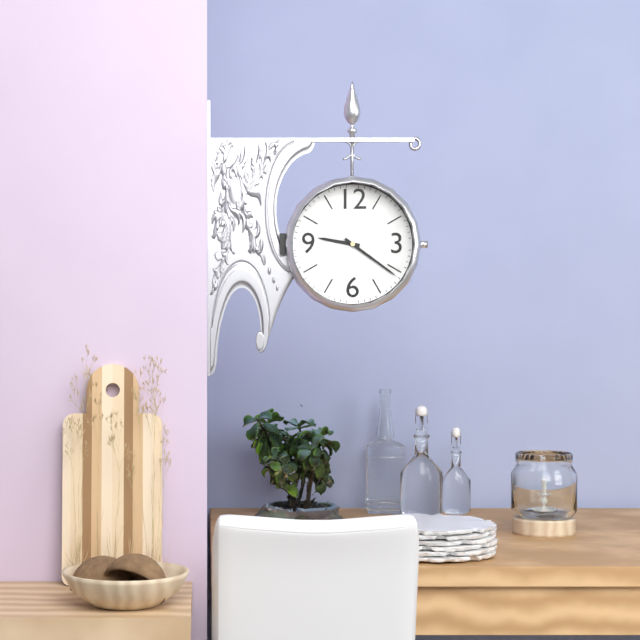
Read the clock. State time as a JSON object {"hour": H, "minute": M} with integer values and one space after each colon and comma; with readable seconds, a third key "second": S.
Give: {"hour": 9, "minute": 21}
